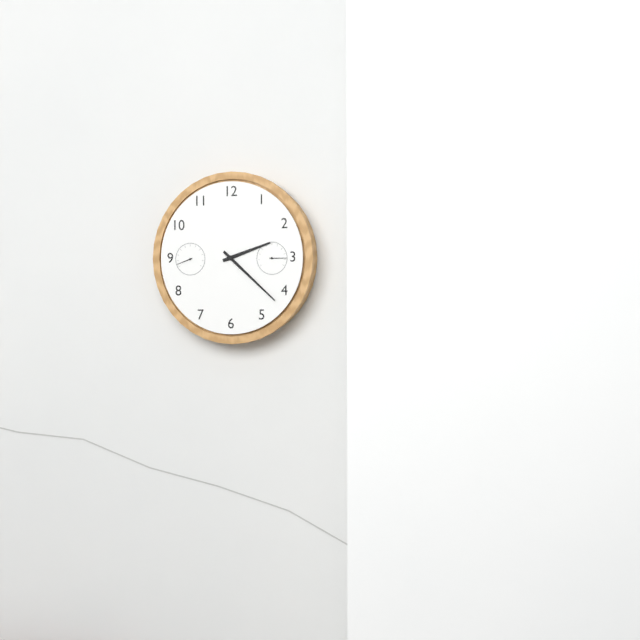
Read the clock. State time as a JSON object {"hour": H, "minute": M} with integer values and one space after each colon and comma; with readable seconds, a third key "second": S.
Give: {"hour": 2, "minute": 22}
